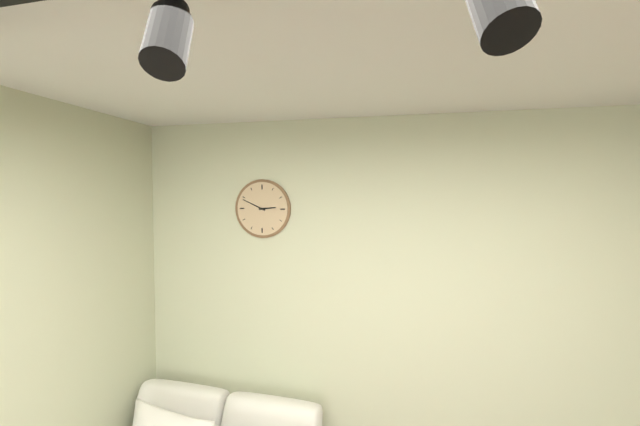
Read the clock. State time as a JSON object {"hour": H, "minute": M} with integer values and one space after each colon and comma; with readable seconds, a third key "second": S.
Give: {"hour": 2, "minute": 49}
